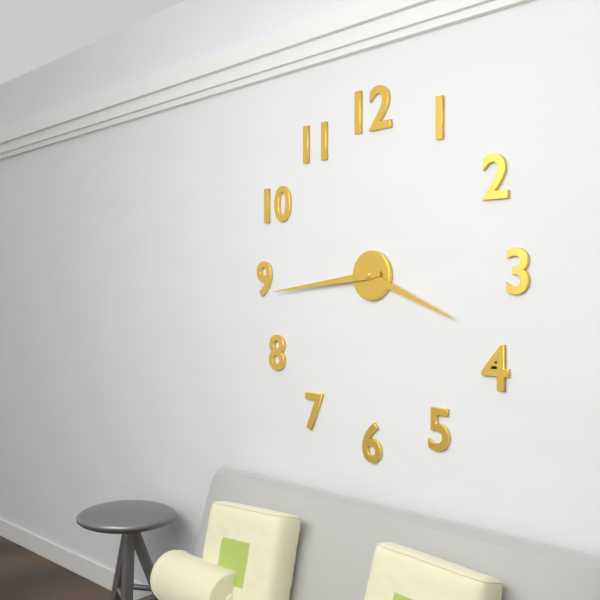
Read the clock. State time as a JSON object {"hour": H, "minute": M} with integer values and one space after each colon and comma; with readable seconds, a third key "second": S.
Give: {"hour": 3, "minute": 44}
